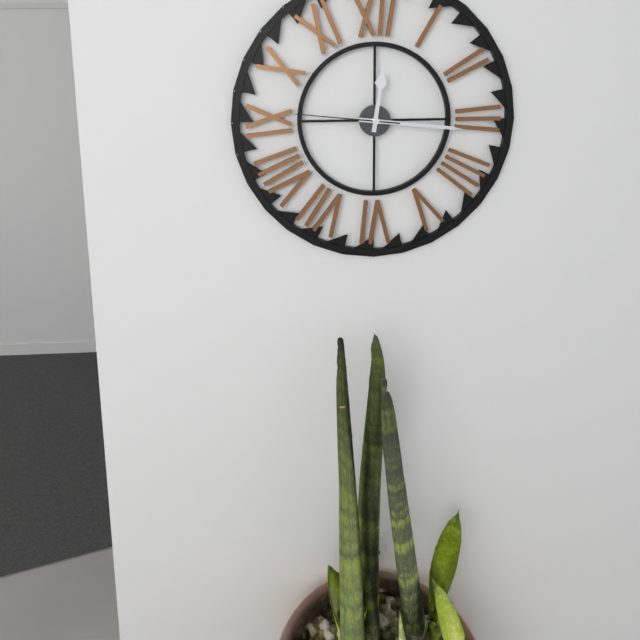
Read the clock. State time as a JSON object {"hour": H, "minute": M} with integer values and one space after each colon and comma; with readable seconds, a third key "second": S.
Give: {"hour": 12, "minute": 16, "second": 46}
